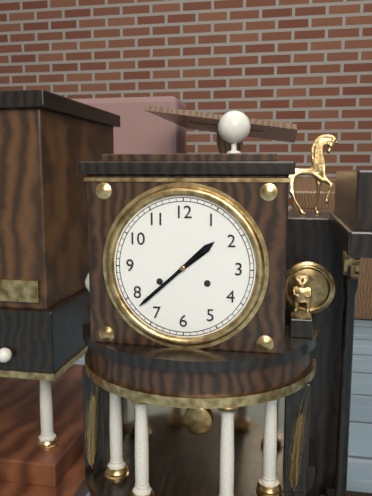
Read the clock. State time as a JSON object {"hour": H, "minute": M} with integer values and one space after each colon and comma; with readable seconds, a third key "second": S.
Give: {"hour": 1, "minute": 38}
